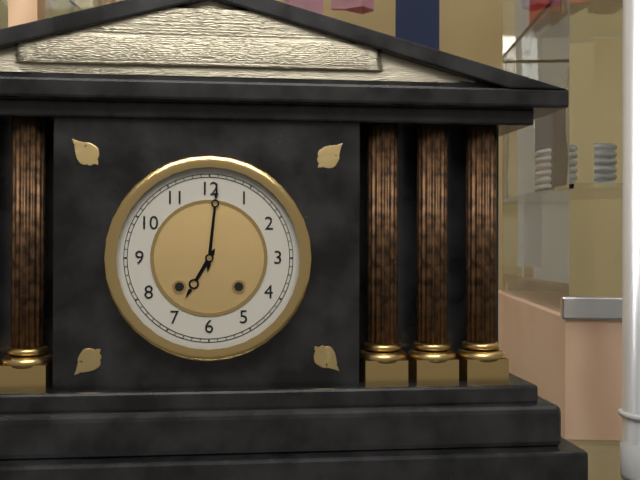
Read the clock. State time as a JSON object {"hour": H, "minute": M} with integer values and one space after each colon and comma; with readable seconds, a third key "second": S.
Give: {"hour": 7, "minute": 1}
